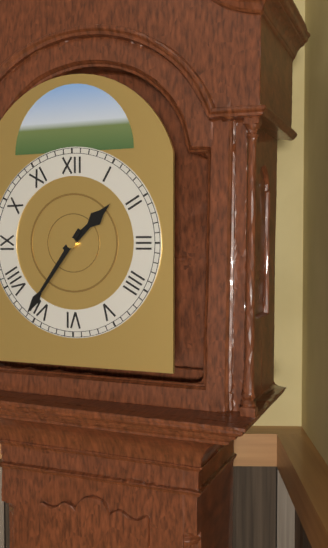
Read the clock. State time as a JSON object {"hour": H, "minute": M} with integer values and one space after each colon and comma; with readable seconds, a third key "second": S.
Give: {"hour": 1, "minute": 36}
